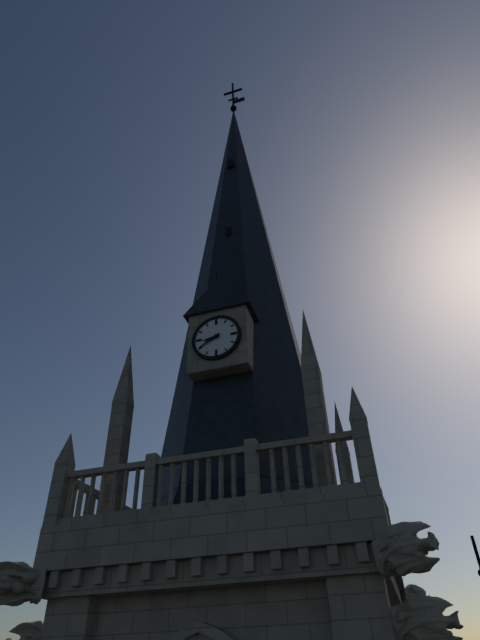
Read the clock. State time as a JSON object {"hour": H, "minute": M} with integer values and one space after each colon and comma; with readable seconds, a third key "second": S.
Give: {"hour": 8, "minute": 40}
